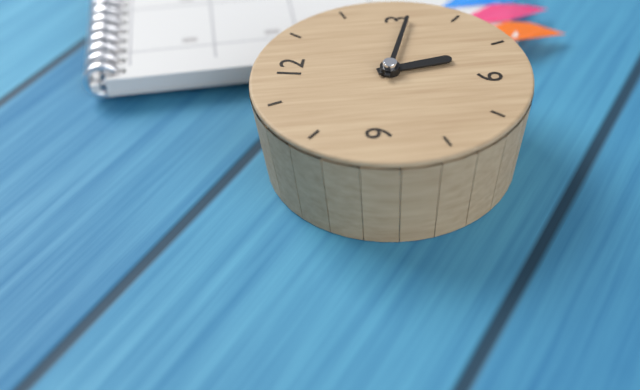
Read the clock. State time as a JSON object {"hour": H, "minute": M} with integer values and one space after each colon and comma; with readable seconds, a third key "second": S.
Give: {"hour": 5, "minute": 16}
